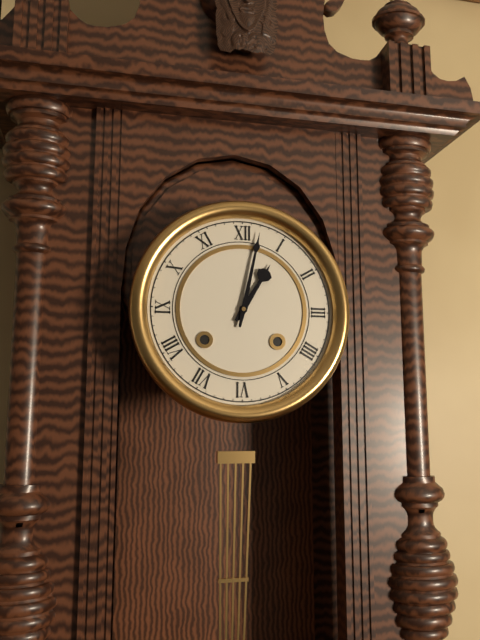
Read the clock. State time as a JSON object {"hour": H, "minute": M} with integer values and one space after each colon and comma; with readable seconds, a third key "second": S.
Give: {"hour": 1, "minute": 2}
